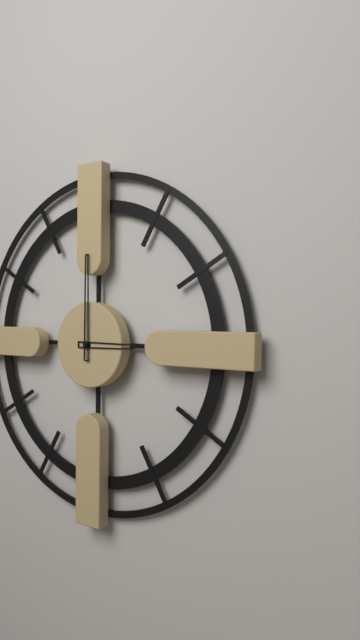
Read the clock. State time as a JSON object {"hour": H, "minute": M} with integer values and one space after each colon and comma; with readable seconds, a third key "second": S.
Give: {"hour": 3, "minute": 0}
